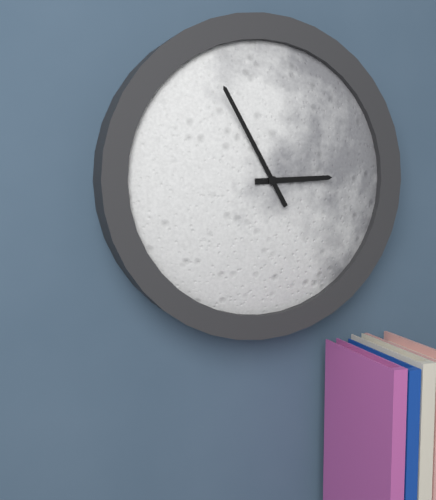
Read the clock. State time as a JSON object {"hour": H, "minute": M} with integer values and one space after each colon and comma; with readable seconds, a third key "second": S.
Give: {"hour": 2, "minute": 55}
